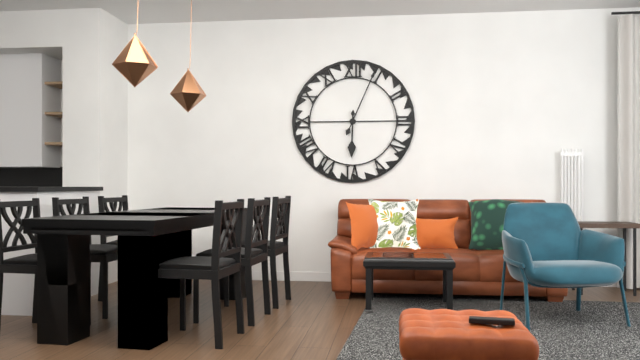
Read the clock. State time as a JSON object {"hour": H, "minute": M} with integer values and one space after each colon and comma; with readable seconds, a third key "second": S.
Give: {"hour": 6, "minute": 4}
